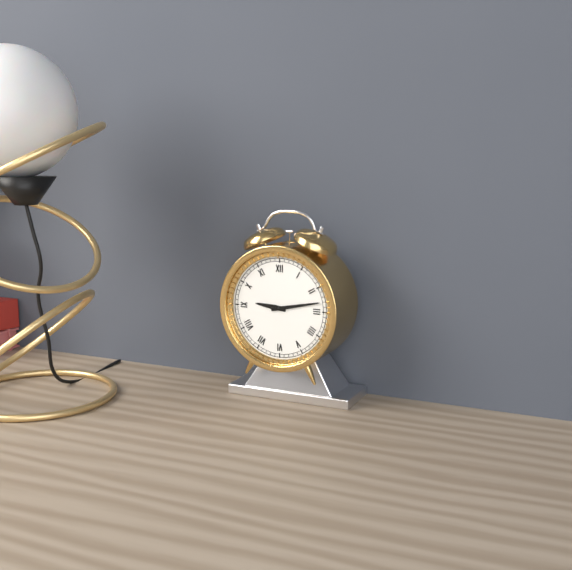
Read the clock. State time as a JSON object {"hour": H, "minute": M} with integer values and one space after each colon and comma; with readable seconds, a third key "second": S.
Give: {"hour": 9, "minute": 13}
